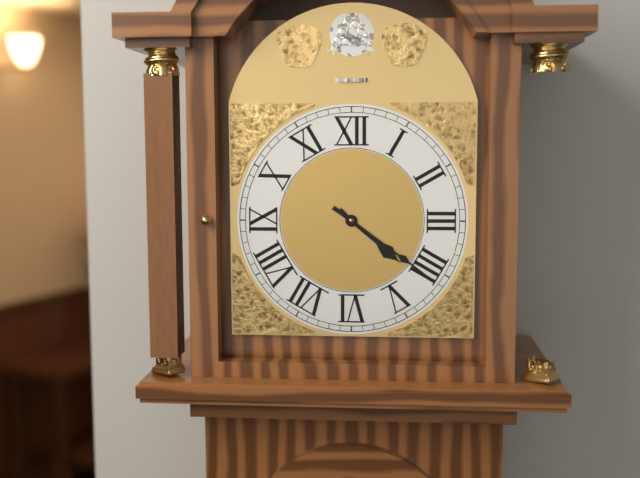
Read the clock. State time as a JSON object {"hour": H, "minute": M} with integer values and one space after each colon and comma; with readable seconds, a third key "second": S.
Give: {"hour": 4, "minute": 21}
